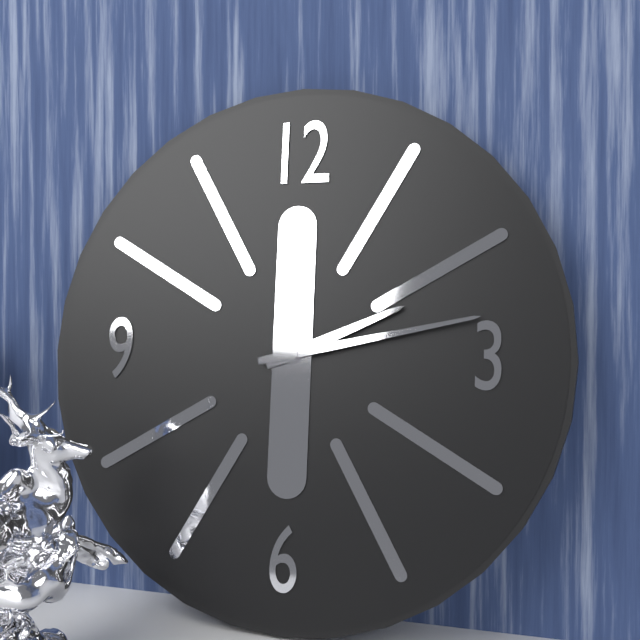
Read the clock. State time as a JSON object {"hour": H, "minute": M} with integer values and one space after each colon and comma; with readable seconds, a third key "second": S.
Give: {"hour": 2, "minute": 13}
